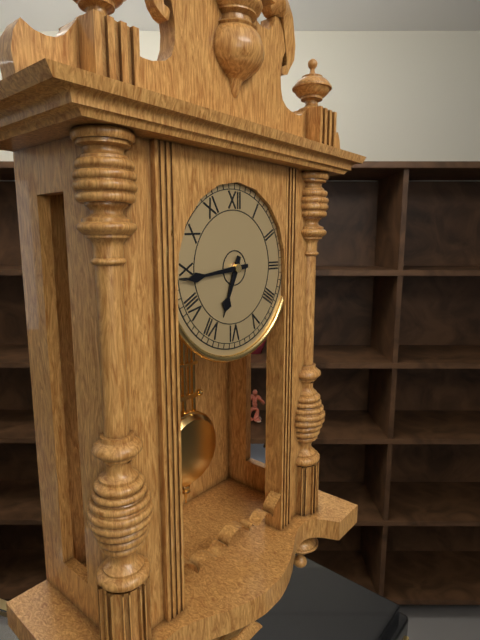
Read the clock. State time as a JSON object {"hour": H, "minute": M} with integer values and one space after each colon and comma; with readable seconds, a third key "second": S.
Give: {"hour": 6, "minute": 44}
